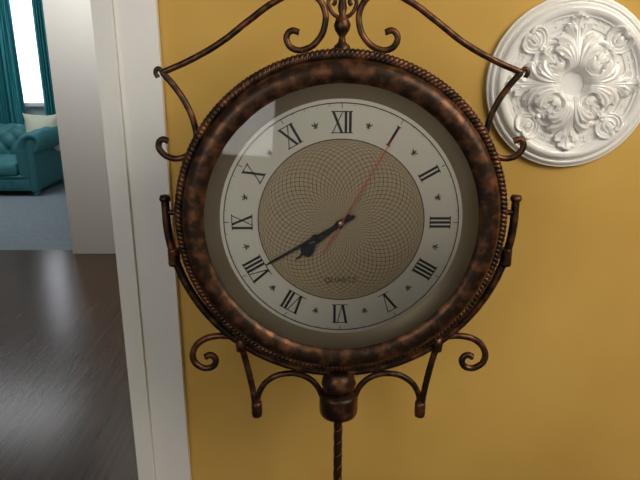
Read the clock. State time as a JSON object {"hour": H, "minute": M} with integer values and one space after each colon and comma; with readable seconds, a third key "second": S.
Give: {"hour": 7, "minute": 40, "second": 5}
